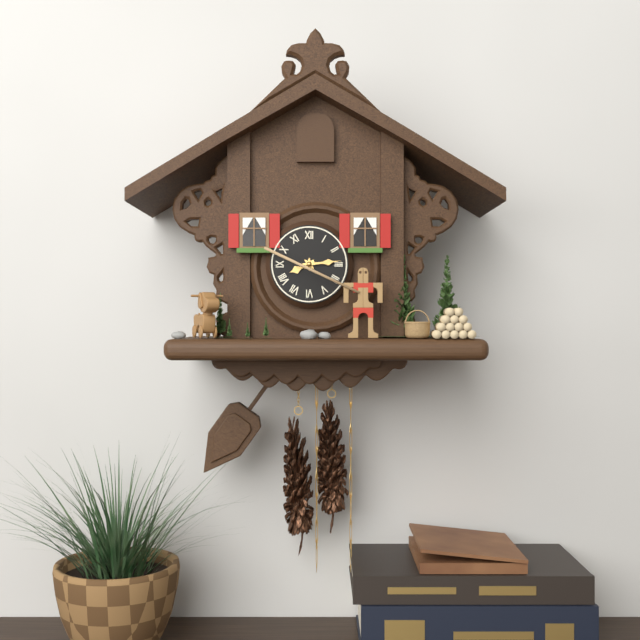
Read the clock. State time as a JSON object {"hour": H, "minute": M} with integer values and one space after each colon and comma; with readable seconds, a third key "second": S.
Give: {"hour": 8, "minute": 14}
